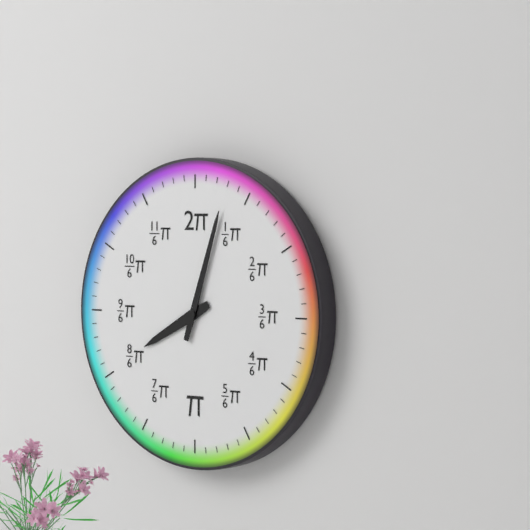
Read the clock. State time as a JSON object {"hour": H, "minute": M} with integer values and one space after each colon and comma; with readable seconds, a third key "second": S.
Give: {"hour": 8, "minute": 3}
